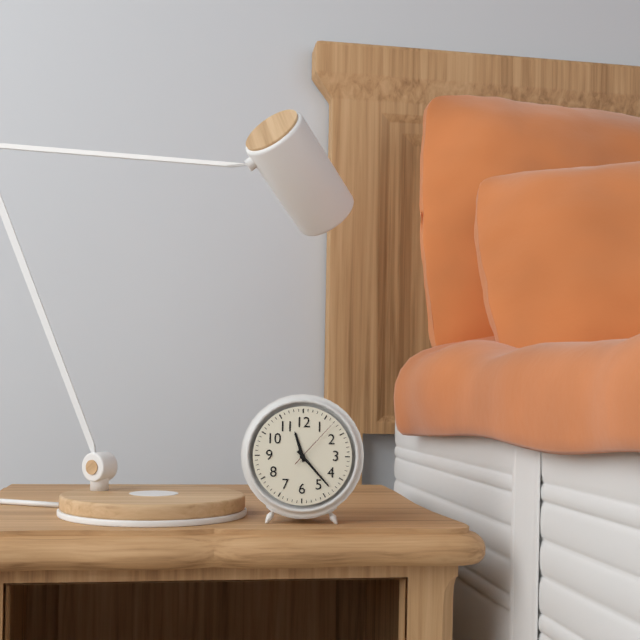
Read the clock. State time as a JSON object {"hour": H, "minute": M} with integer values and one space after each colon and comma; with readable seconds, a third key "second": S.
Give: {"hour": 11, "minute": 23, "second": 7}
